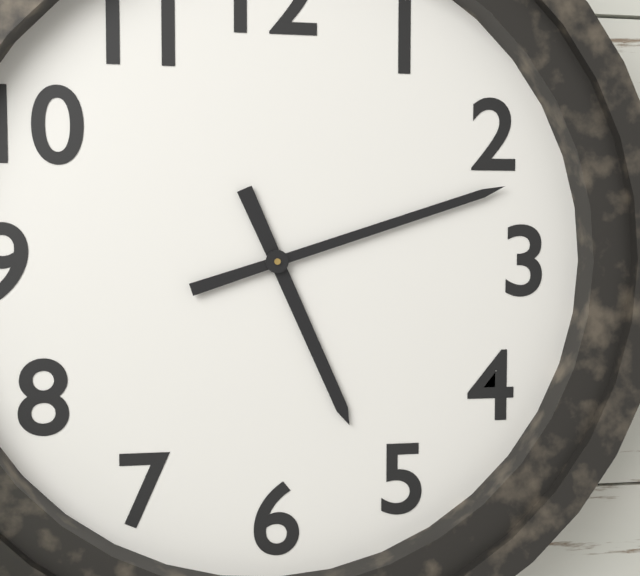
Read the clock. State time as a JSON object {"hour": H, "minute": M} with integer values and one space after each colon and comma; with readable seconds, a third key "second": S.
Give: {"hour": 5, "minute": 12}
